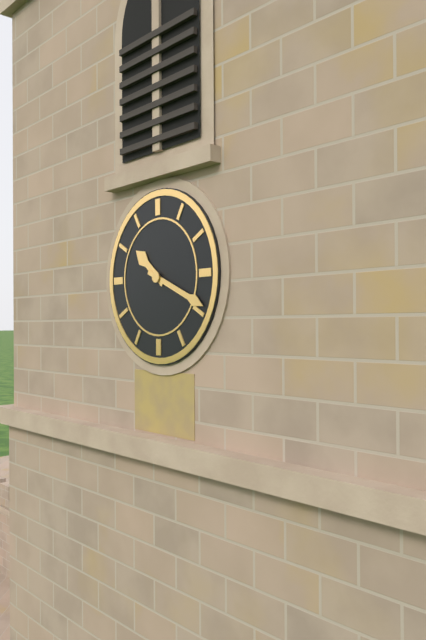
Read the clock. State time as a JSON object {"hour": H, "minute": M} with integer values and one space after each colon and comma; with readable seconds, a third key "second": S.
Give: {"hour": 10, "minute": 19}
